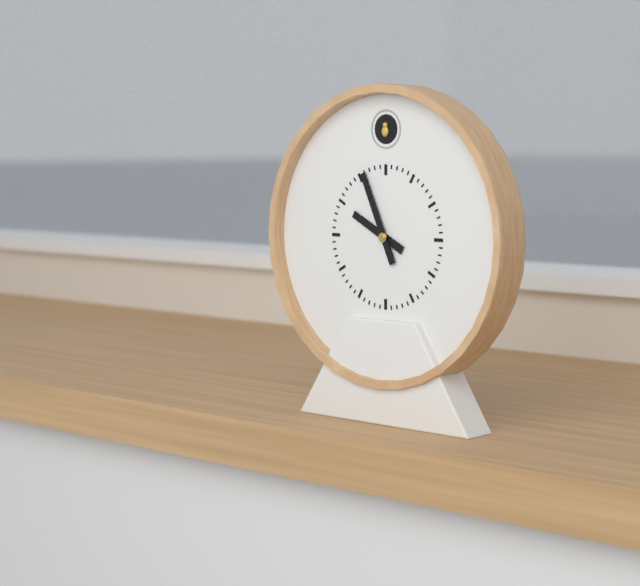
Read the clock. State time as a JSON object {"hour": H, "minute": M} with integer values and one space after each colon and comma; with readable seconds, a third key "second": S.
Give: {"hour": 9, "minute": 56}
